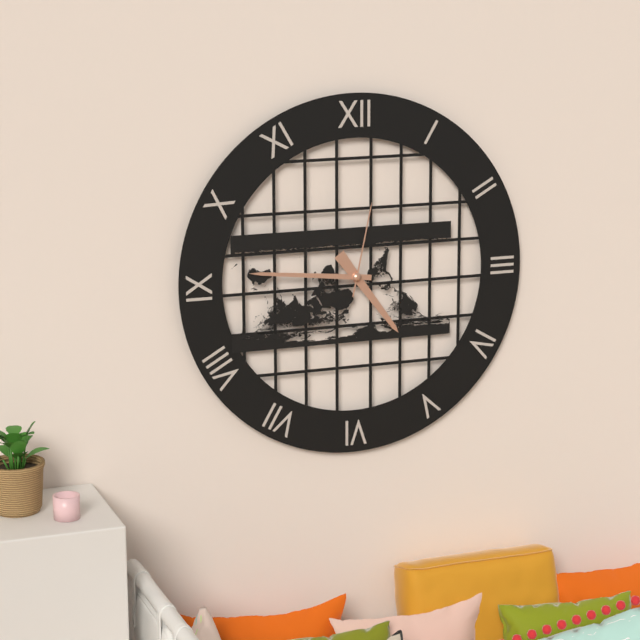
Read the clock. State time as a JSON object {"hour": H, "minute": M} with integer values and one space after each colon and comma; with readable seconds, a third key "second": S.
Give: {"hour": 4, "minute": 46, "second": 2}
